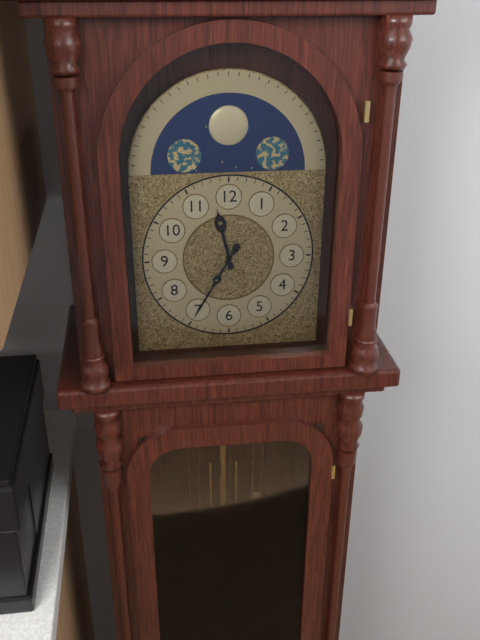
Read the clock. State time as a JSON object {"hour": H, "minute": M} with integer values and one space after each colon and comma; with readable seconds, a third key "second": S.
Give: {"hour": 11, "minute": 35}
